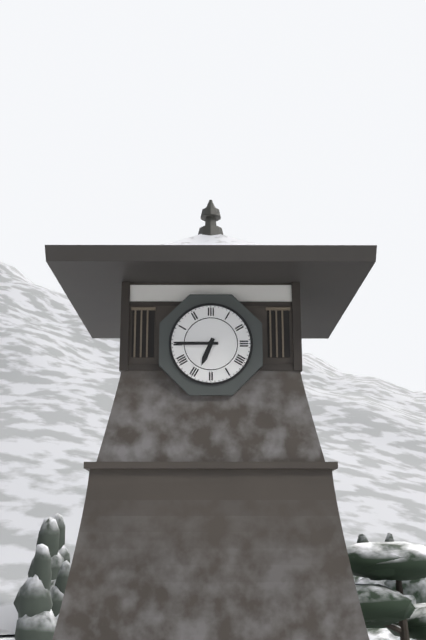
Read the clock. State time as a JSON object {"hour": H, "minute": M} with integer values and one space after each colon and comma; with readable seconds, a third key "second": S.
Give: {"hour": 6, "minute": 45}
